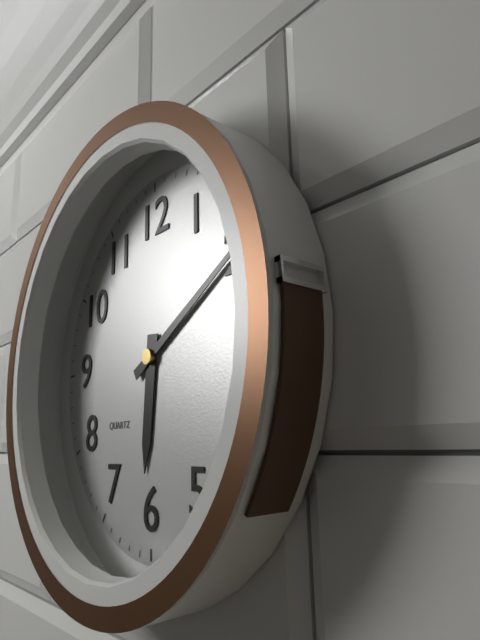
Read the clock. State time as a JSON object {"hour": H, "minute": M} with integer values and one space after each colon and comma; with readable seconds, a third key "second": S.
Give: {"hour": 6, "minute": 10}
